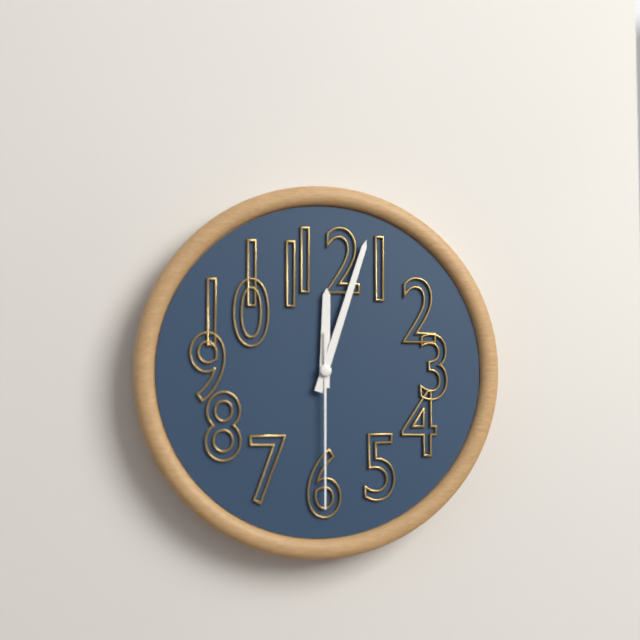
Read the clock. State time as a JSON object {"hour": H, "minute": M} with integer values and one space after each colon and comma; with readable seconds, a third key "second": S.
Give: {"hour": 12, "minute": 3, "second": 30}
